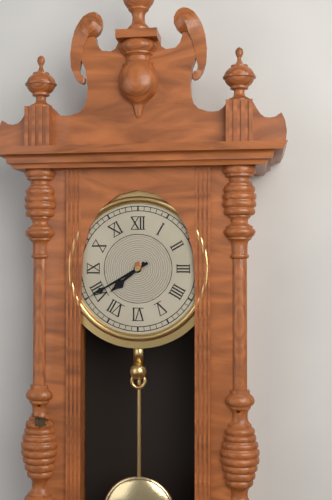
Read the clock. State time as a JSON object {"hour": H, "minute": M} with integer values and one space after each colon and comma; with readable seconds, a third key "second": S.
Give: {"hour": 7, "minute": 40}
